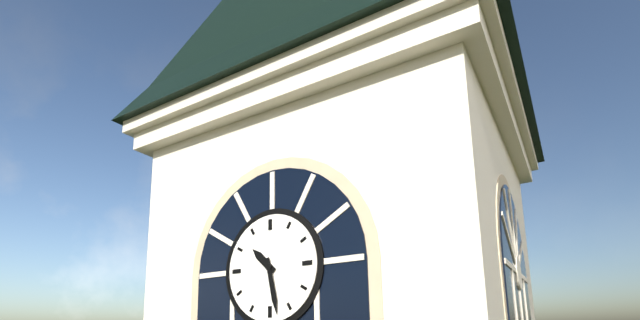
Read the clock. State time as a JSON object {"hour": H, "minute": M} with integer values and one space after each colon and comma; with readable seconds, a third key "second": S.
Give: {"hour": 10, "minute": 28}
